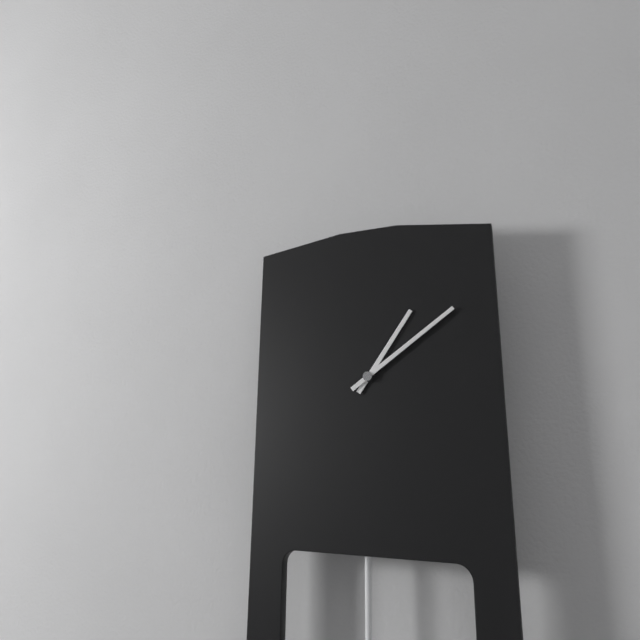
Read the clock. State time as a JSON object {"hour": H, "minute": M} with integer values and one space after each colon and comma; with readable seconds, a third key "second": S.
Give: {"hour": 1, "minute": 9}
